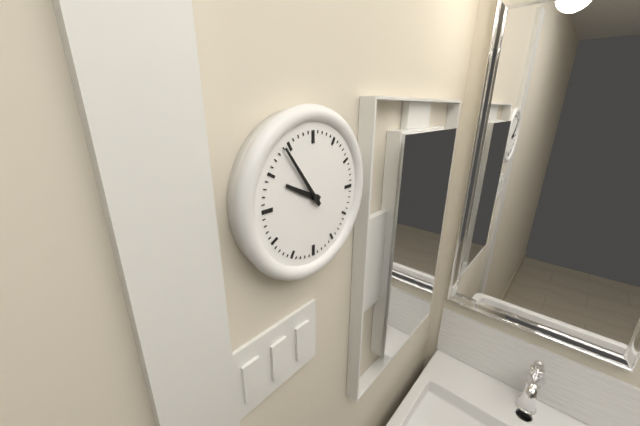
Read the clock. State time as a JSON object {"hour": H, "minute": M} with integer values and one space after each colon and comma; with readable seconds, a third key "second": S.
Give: {"hour": 9, "minute": 54}
